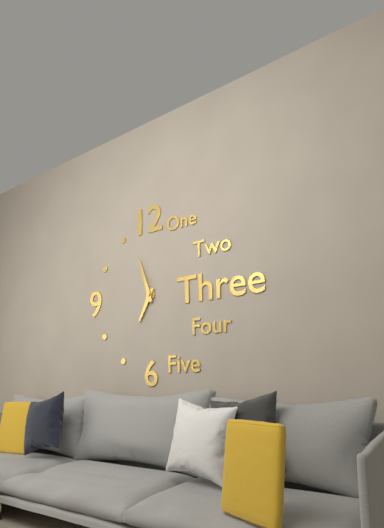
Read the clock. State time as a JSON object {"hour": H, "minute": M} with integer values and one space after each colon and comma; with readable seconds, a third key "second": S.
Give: {"hour": 6, "minute": 57}
